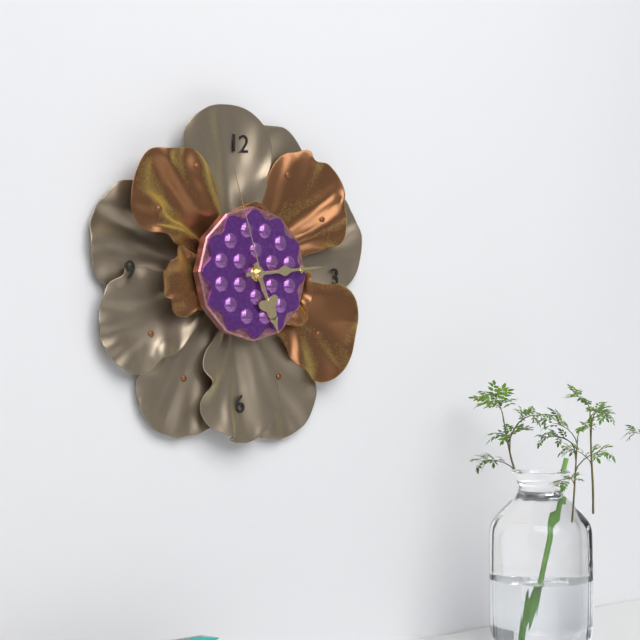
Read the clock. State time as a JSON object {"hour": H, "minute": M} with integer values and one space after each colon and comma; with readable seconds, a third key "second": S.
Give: {"hour": 5, "minute": 14, "second": 57}
